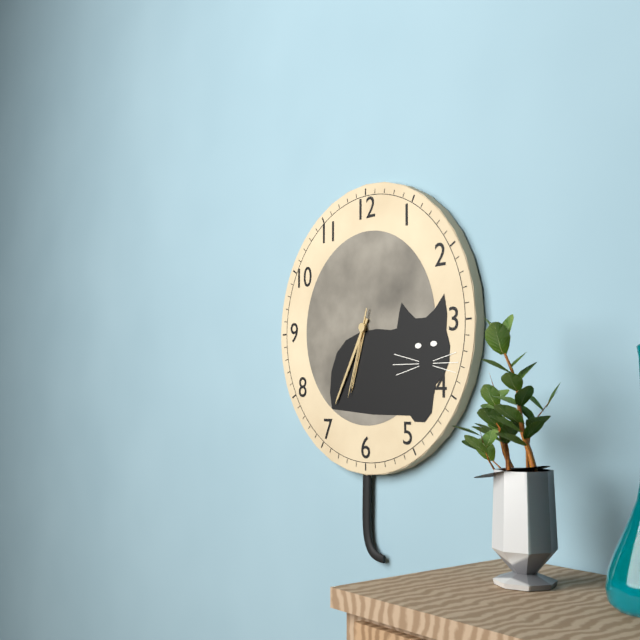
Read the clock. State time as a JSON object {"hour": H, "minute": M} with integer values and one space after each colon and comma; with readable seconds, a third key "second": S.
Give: {"hour": 6, "minute": 35, "second": 33}
